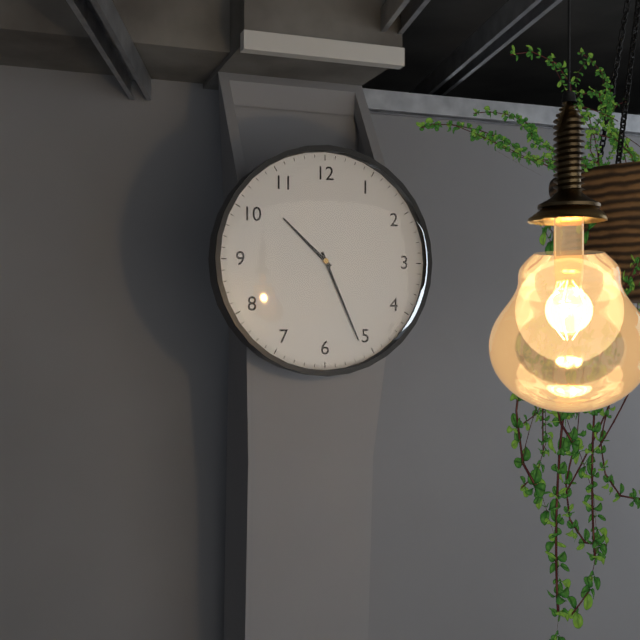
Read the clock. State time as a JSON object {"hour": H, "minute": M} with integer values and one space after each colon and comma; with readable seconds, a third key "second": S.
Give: {"hour": 10, "minute": 26}
